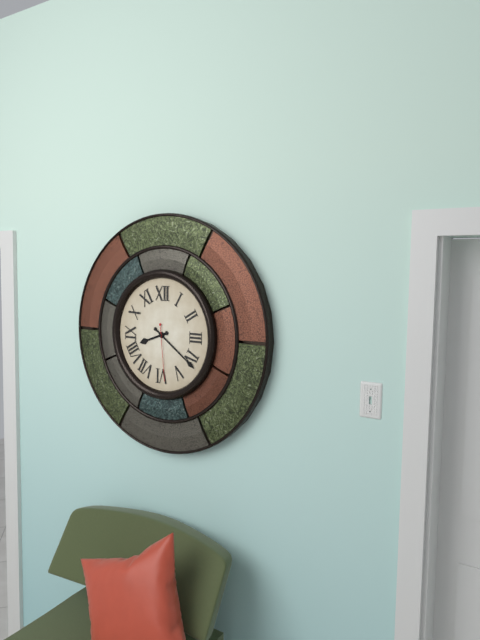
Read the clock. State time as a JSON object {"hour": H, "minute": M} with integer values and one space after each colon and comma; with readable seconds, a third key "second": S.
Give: {"hour": 8, "minute": 21, "second": 29}
